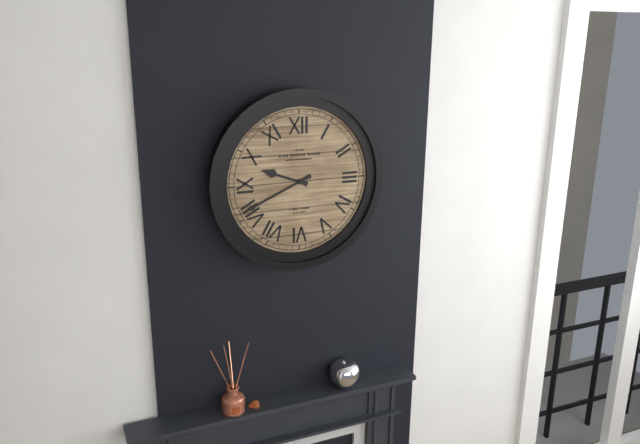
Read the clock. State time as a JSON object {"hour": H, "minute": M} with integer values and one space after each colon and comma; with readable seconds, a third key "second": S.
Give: {"hour": 9, "minute": 41}
